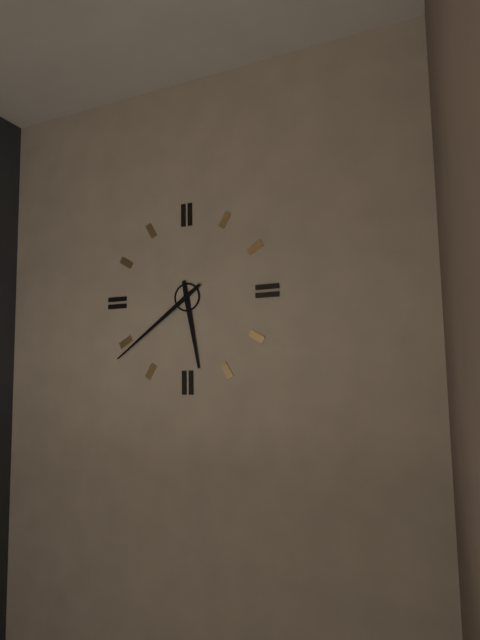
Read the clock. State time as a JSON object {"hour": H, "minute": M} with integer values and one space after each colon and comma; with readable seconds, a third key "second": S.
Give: {"hour": 5, "minute": 39}
